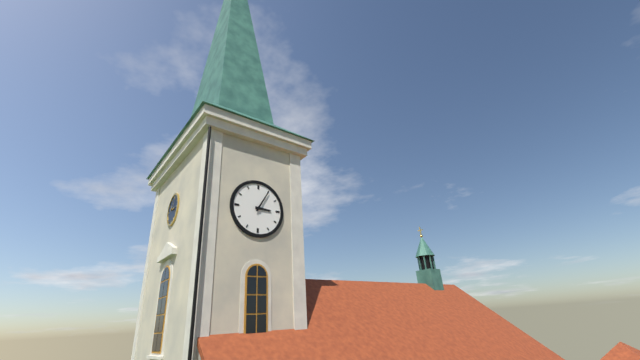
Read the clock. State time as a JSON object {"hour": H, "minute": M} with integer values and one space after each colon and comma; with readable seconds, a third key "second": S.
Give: {"hour": 3, "minute": 5}
